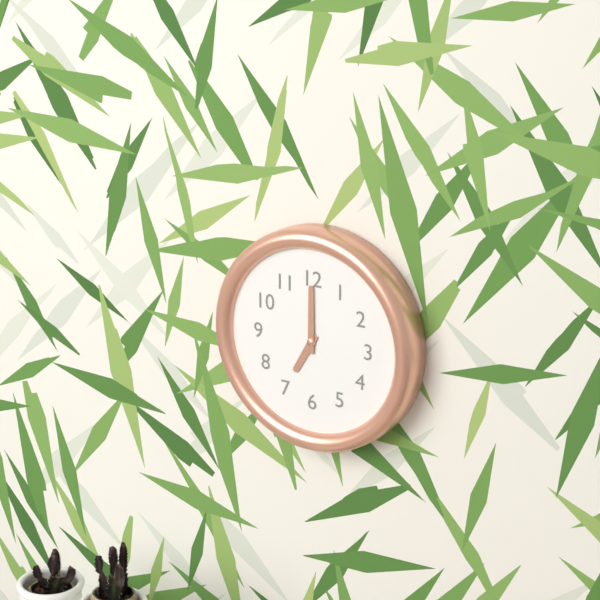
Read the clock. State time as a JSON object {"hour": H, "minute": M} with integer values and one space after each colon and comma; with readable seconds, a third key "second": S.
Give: {"hour": 7, "minute": 0}
